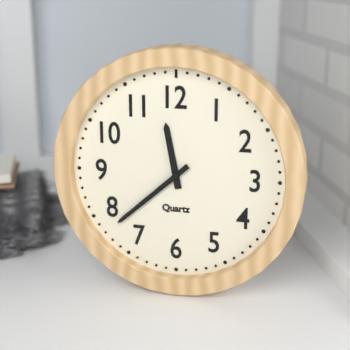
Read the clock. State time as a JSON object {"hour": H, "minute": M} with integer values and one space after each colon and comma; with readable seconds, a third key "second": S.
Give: {"hour": 11, "minute": 38}
